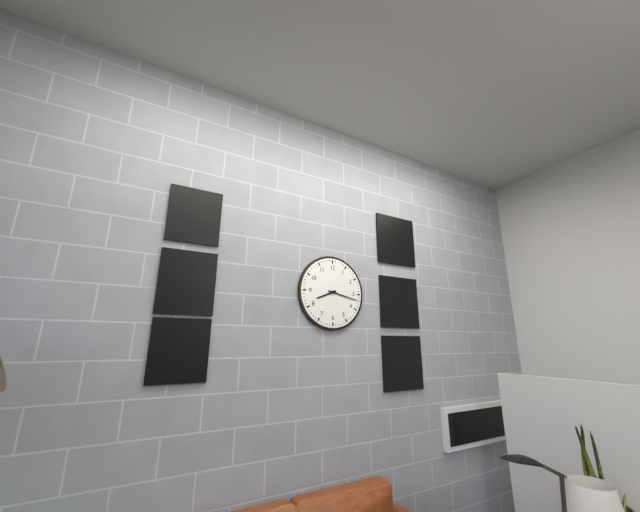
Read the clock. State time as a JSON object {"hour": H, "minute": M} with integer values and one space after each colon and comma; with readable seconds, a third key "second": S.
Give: {"hour": 8, "minute": 17}
